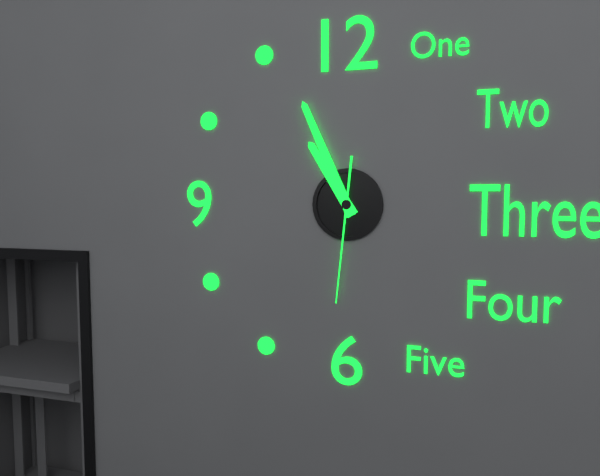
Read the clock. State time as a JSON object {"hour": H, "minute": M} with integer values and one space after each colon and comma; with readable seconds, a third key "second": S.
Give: {"hour": 10, "minute": 56, "second": 31}
